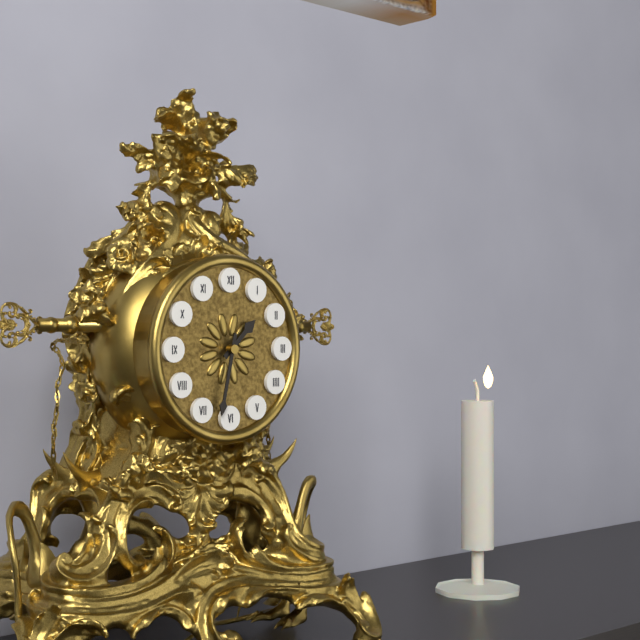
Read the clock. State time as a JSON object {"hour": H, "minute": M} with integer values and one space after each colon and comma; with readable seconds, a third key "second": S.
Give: {"hour": 1, "minute": 32}
